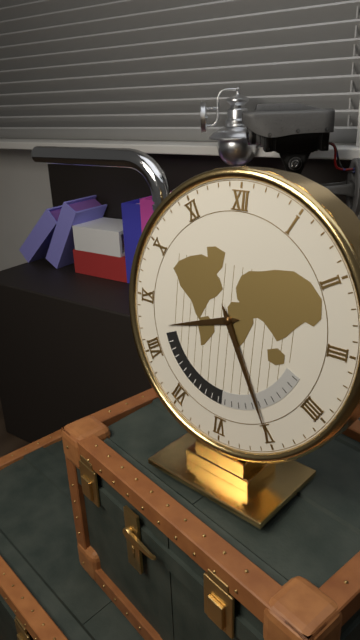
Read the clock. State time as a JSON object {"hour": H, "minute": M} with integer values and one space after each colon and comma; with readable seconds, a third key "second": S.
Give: {"hour": 8, "minute": 25}
